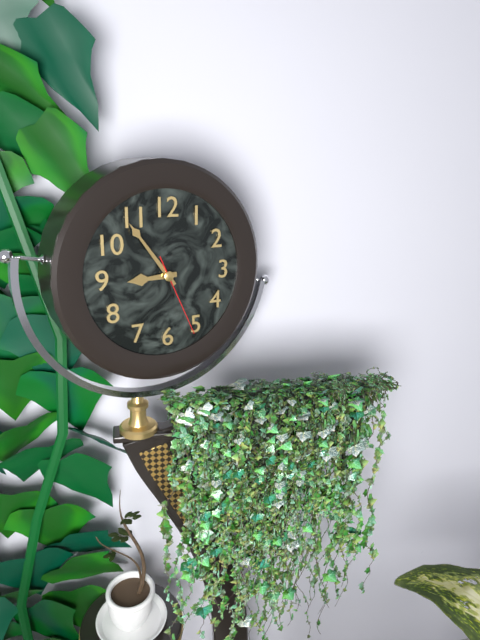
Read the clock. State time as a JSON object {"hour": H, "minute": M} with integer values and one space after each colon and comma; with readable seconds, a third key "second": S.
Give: {"hour": 8, "minute": 54, "second": 26}
